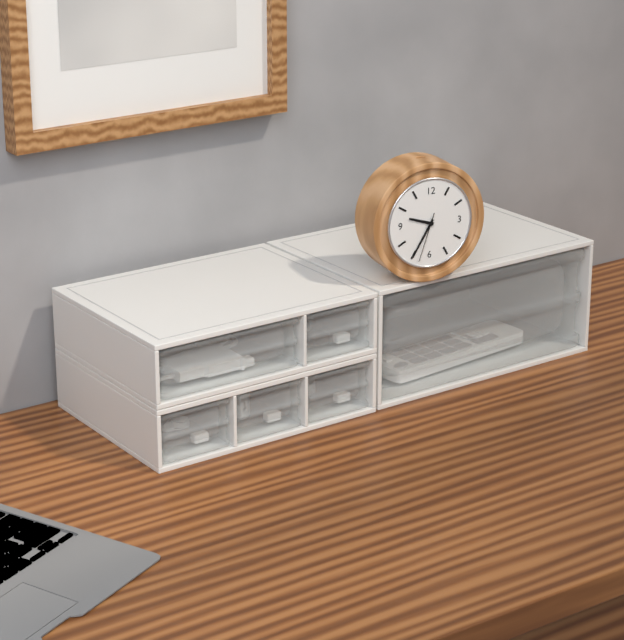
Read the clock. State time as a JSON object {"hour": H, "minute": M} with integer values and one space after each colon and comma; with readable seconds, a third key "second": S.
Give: {"hour": 9, "minute": 35, "second": 33}
